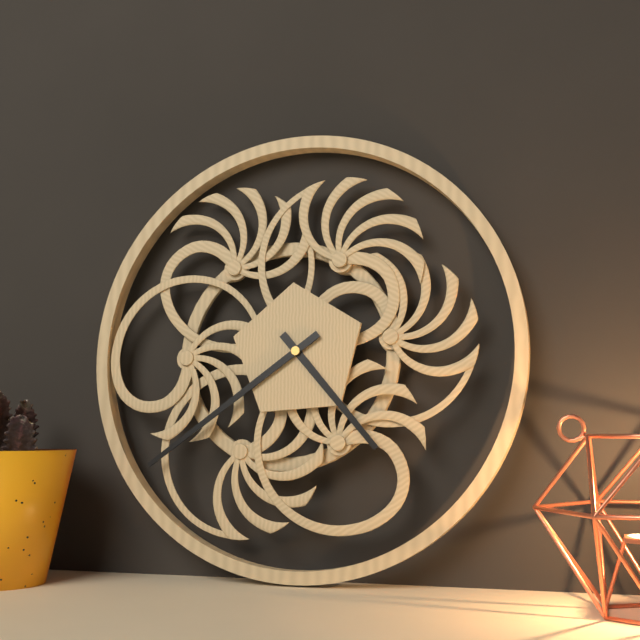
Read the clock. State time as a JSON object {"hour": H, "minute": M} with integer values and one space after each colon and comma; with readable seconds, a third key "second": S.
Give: {"hour": 4, "minute": 39}
